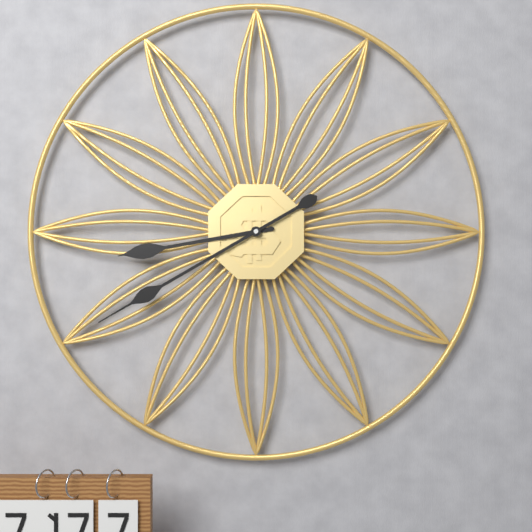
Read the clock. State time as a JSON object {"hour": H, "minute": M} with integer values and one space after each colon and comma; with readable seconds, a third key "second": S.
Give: {"hour": 8, "minute": 40}
